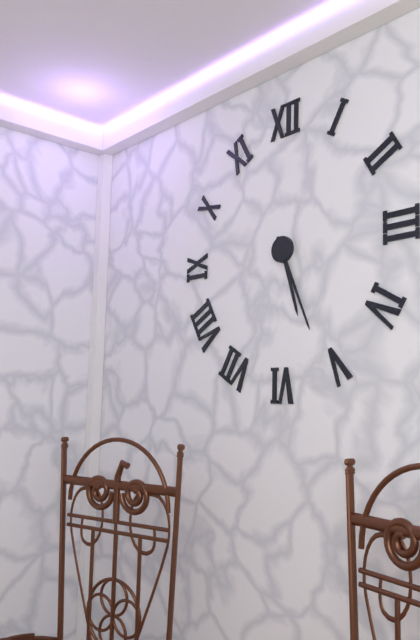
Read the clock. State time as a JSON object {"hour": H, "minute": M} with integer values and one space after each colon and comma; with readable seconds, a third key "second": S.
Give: {"hour": 5, "minute": 26}
